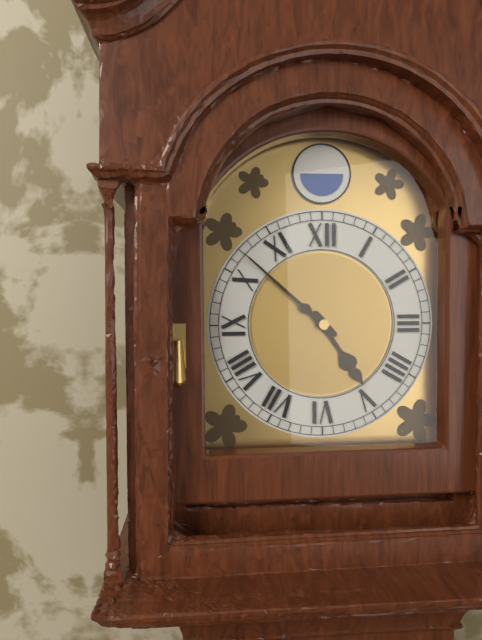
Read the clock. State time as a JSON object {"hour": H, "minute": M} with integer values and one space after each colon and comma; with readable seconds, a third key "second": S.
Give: {"hour": 4, "minute": 52}
